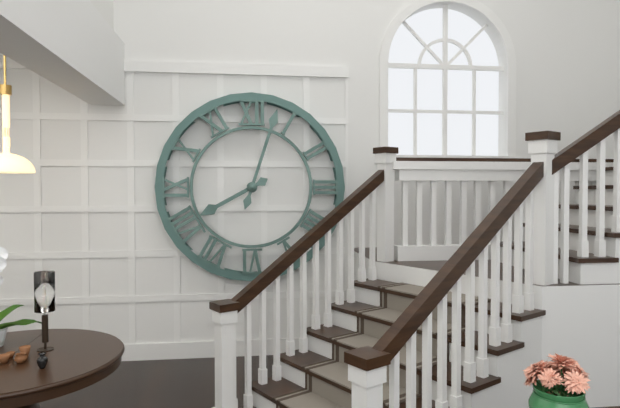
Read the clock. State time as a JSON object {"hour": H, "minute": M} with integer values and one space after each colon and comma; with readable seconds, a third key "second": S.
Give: {"hour": 8, "minute": 3}
